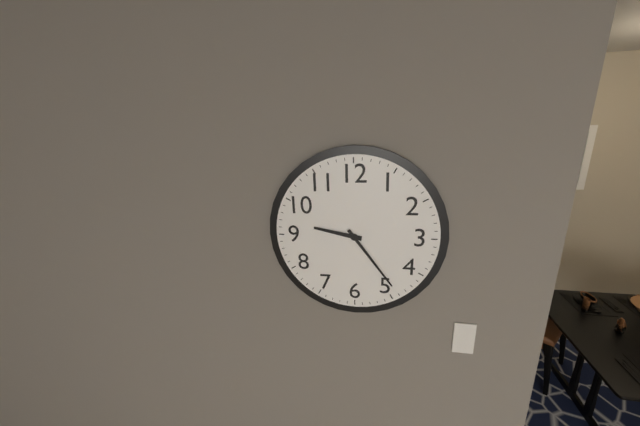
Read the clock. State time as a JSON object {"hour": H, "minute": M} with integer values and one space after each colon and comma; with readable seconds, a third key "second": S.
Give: {"hour": 9, "minute": 24}
